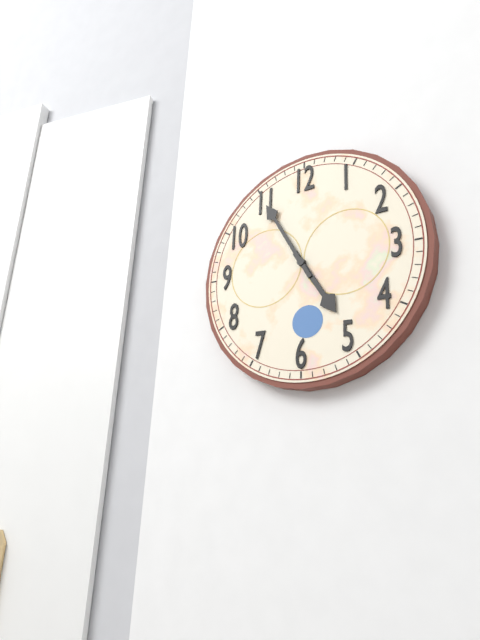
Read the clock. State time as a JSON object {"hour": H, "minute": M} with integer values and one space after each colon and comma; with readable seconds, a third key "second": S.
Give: {"hour": 4, "minute": 55}
